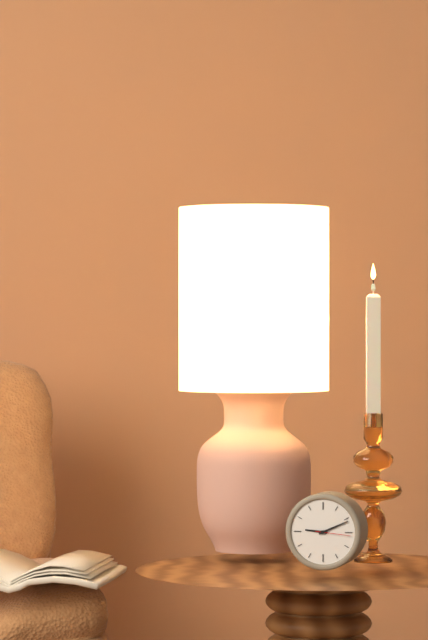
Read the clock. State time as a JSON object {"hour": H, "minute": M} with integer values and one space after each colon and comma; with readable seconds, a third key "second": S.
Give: {"hour": 9, "minute": 11}
